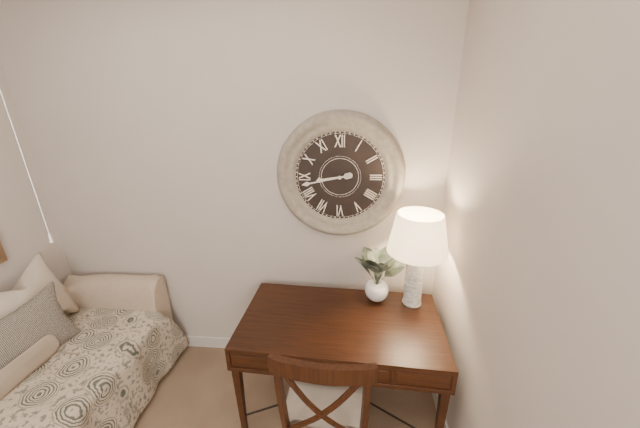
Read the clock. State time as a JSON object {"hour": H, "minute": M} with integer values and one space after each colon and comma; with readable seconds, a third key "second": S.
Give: {"hour": 8, "minute": 43}
